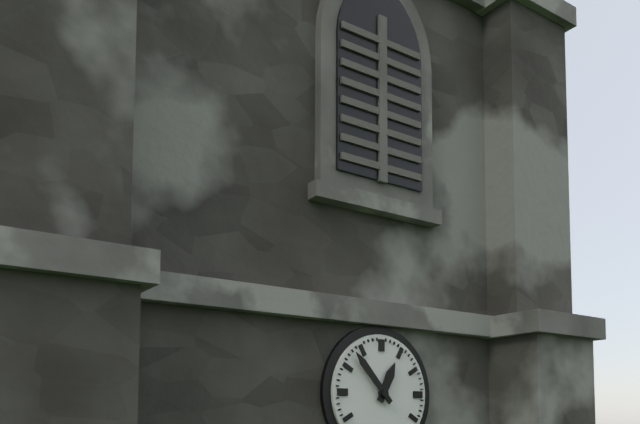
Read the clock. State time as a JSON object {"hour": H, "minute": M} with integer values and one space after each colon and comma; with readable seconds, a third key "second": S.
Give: {"hour": 12, "minute": 53}
